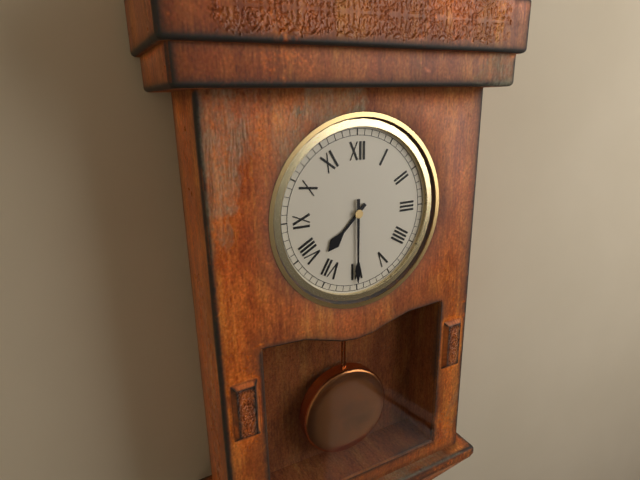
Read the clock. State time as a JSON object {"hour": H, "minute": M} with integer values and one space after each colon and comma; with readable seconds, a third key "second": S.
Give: {"hour": 7, "minute": 30}
